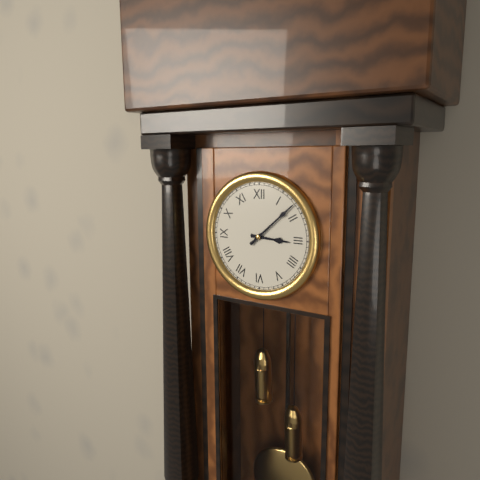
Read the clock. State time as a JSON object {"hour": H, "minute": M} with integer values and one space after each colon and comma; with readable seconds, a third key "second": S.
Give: {"hour": 3, "minute": 8}
